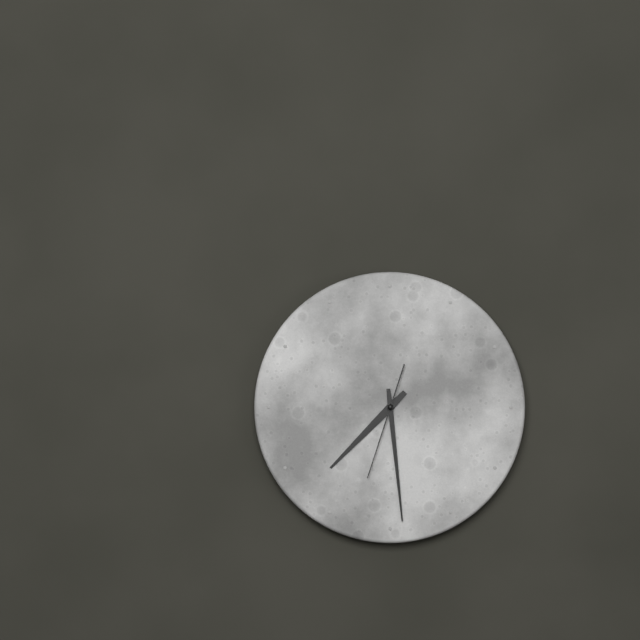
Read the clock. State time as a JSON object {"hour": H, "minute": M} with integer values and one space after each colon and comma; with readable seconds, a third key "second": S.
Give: {"hour": 7, "minute": 29, "second": 33}
